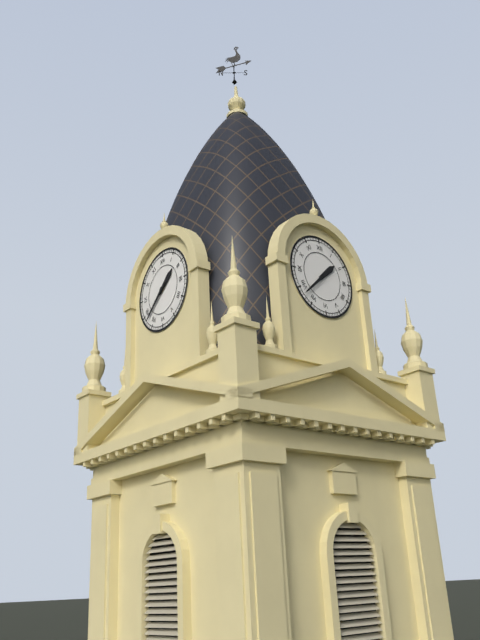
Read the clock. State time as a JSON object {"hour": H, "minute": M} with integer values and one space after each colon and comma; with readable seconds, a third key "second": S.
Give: {"hour": 1, "minute": 38}
